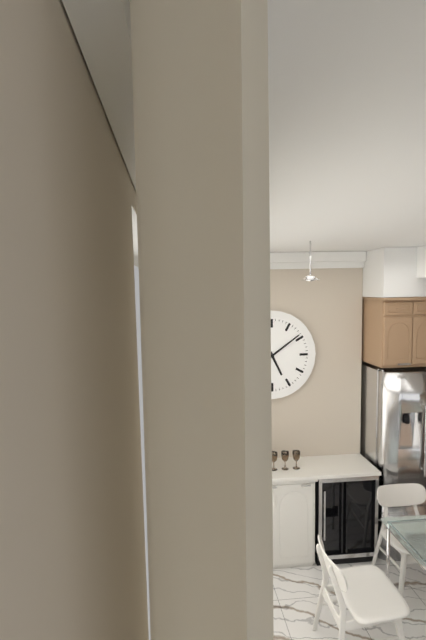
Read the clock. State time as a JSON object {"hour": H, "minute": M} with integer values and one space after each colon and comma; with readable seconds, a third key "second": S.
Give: {"hour": 5, "minute": 9}
